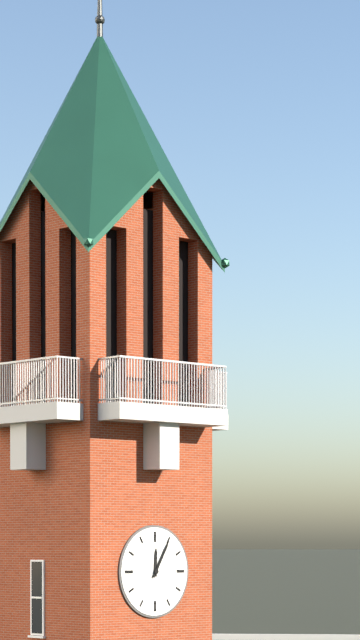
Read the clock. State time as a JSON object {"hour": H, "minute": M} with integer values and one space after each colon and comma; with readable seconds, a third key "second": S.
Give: {"hour": 12, "minute": 5}
